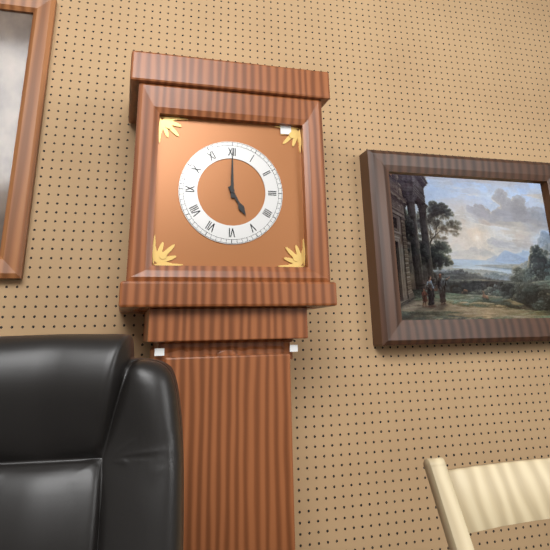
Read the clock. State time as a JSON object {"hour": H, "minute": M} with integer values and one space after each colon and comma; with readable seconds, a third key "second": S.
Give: {"hour": 5, "minute": 0}
